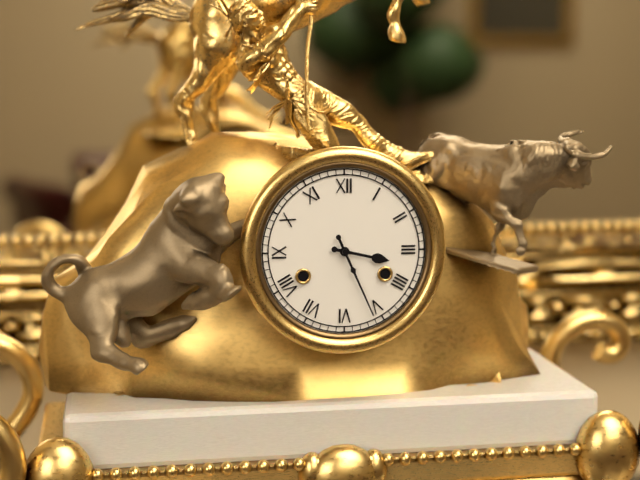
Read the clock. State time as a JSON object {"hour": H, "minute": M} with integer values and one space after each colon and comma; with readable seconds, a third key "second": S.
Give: {"hour": 3, "minute": 26}
